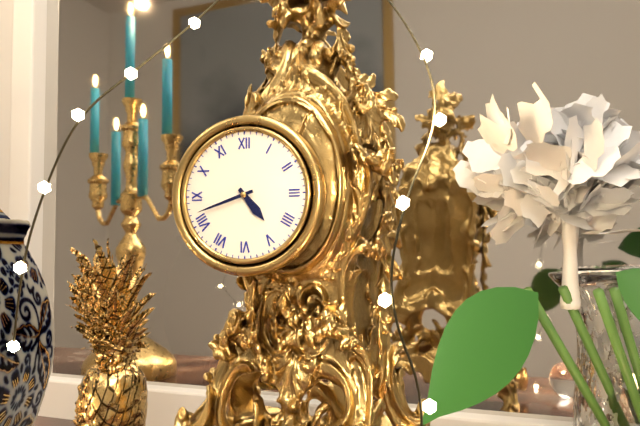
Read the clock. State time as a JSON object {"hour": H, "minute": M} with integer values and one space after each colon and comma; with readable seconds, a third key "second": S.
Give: {"hour": 4, "minute": 42}
